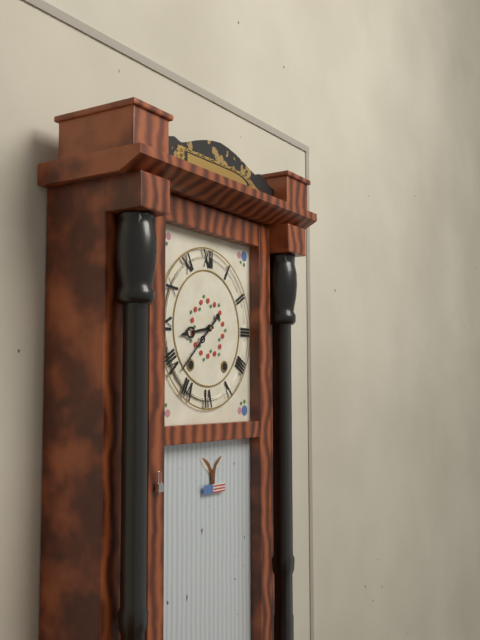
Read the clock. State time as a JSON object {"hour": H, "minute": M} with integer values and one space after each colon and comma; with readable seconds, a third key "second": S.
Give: {"hour": 8, "minute": 38}
